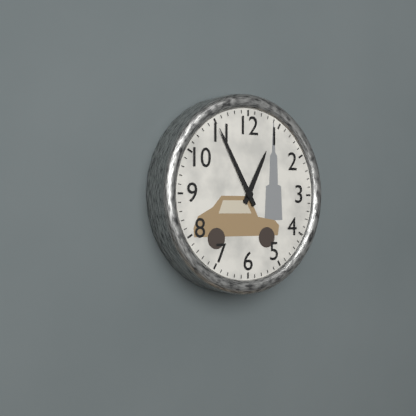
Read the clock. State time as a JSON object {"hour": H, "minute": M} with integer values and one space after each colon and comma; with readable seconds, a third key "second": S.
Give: {"hour": 12, "minute": 55}
